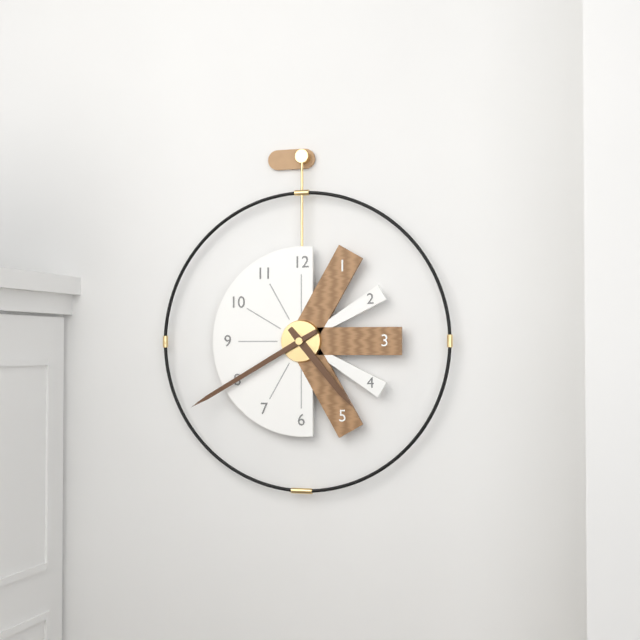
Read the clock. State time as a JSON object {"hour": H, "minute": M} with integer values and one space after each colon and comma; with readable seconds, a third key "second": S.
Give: {"hour": 4, "minute": 40}
